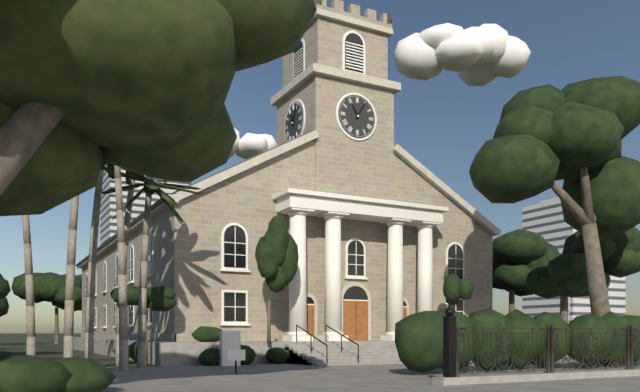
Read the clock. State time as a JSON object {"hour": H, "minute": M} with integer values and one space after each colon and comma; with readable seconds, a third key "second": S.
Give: {"hour": 11, "minute": 5}
